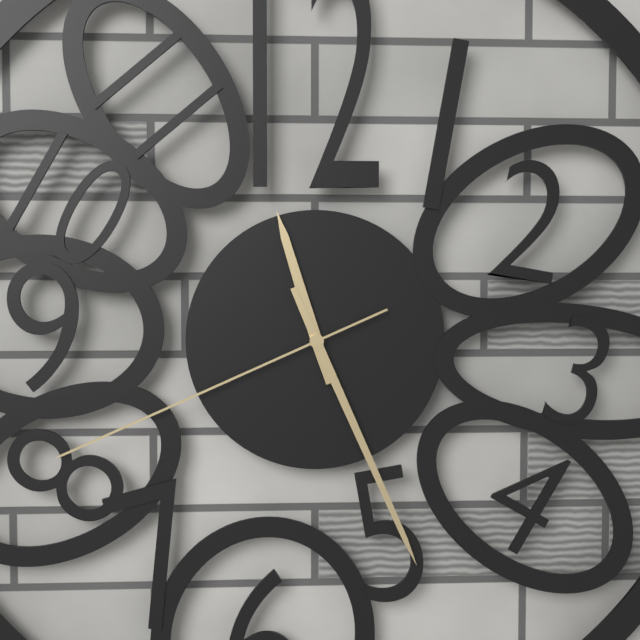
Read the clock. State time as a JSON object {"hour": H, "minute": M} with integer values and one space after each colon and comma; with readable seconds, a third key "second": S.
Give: {"hour": 11, "minute": 26, "second": 41}
